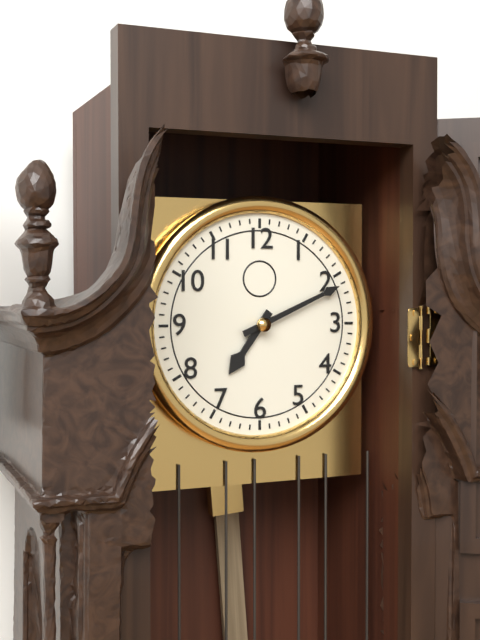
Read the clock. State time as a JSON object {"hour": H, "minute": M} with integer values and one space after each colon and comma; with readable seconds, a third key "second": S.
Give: {"hour": 7, "minute": 11}
